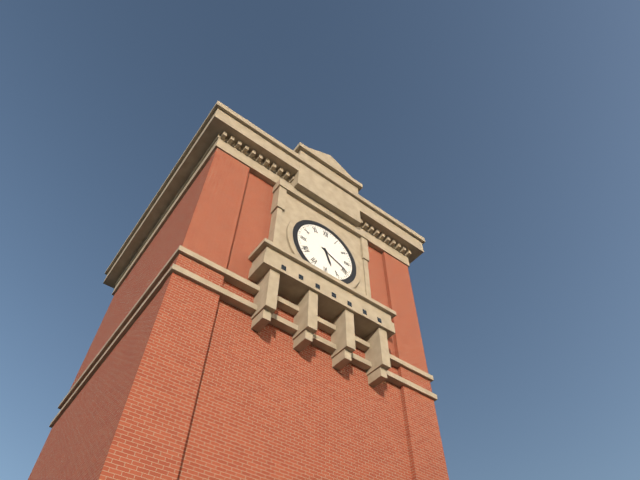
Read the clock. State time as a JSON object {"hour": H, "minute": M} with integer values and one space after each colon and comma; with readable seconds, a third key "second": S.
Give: {"hour": 5, "minute": 19}
